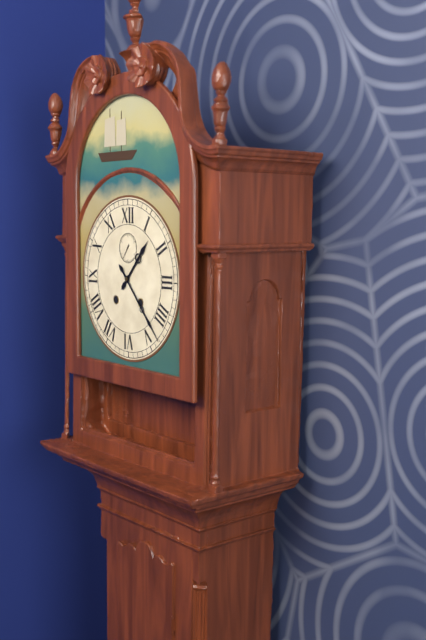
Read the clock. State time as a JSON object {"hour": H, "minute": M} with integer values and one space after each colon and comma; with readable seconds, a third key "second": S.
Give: {"hour": 1, "minute": 23}
